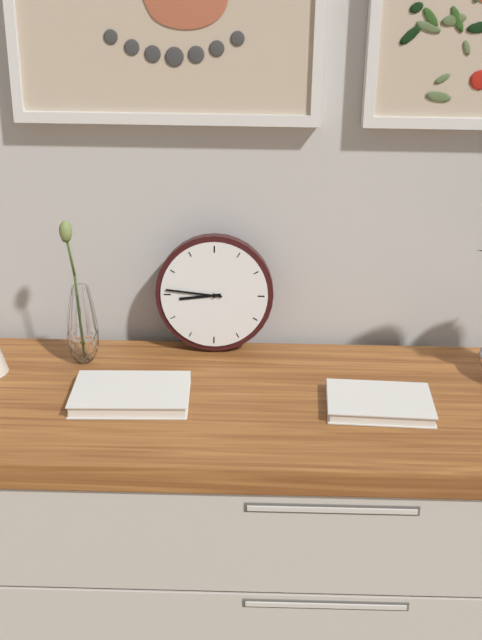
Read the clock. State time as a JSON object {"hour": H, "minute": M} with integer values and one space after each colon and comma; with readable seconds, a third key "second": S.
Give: {"hour": 8, "minute": 46}
